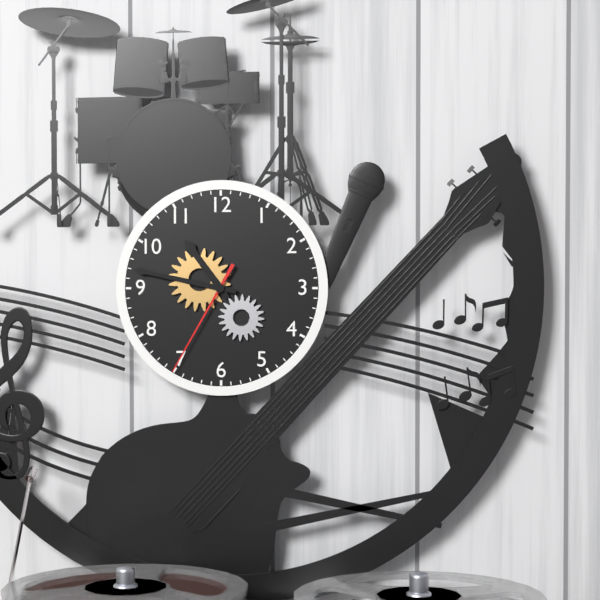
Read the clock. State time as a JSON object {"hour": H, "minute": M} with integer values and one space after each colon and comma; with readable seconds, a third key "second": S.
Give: {"hour": 10, "minute": 47, "second": 35}
